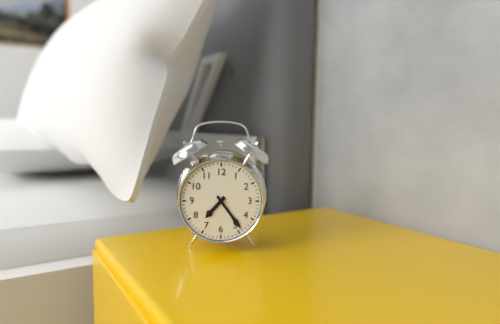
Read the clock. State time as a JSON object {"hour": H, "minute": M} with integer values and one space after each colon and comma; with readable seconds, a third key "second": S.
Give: {"hour": 7, "minute": 24}
